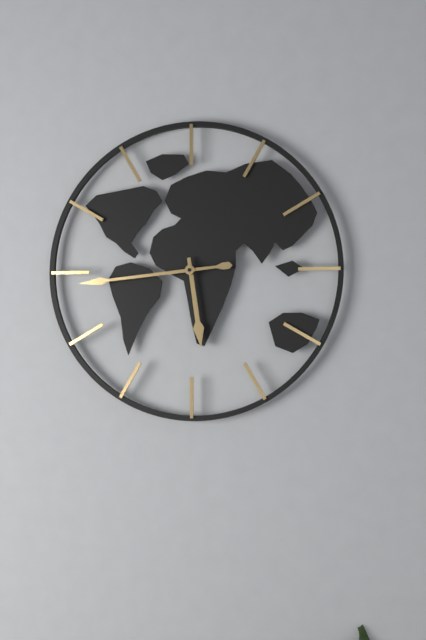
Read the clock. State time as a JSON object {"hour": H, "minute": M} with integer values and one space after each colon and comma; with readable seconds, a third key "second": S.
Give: {"hour": 5, "minute": 44}
